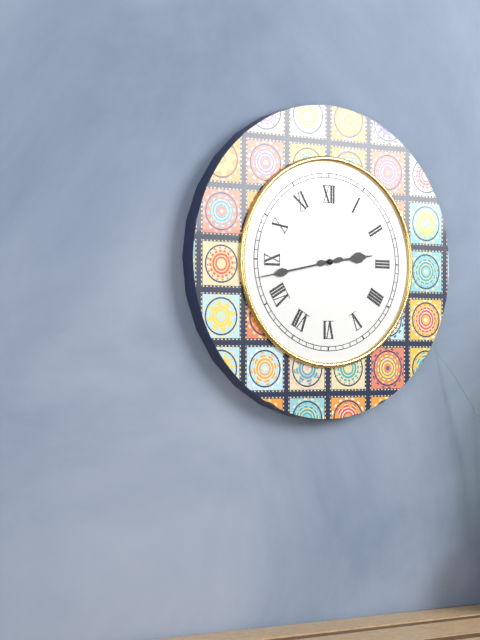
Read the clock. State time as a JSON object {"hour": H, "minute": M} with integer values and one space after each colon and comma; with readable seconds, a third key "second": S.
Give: {"hour": 2, "minute": 43}
